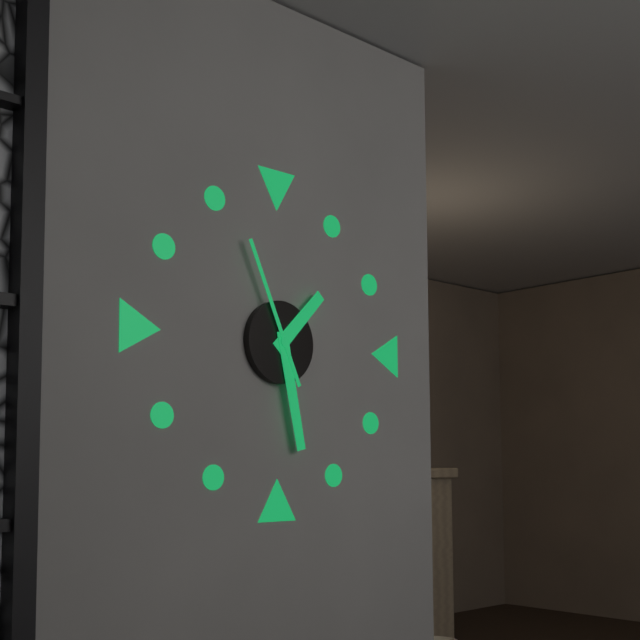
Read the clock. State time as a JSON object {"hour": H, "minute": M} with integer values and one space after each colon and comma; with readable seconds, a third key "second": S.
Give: {"hour": 1, "minute": 28, "second": 56}
